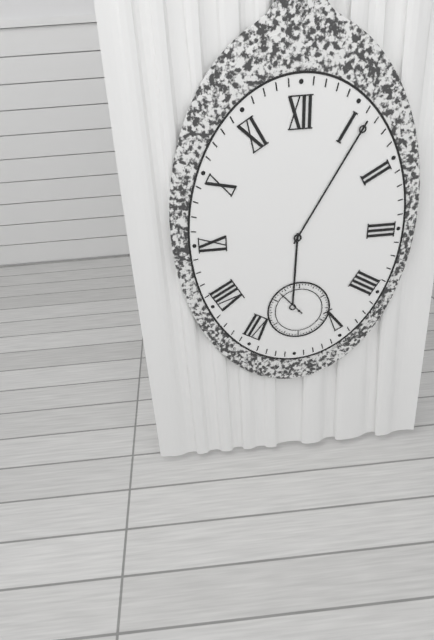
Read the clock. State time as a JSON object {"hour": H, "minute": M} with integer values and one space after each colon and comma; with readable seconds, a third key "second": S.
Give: {"hour": 6, "minute": 5}
